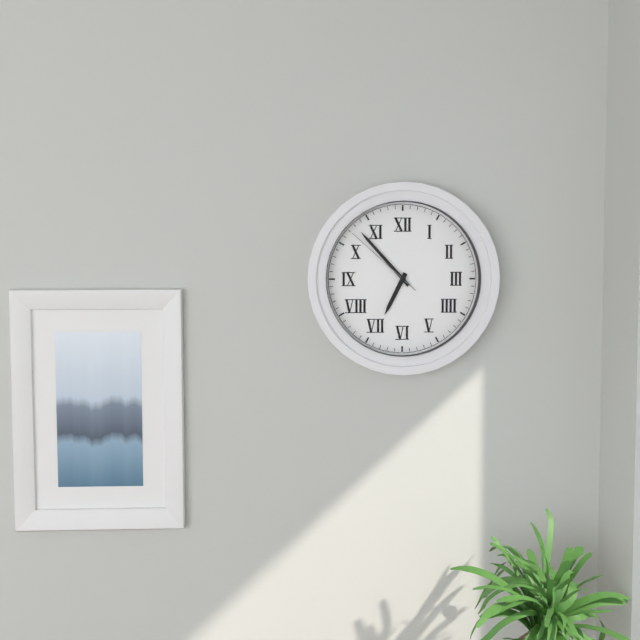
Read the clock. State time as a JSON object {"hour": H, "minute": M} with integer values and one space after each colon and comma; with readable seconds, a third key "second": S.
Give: {"hour": 6, "minute": 53, "second": 52}
